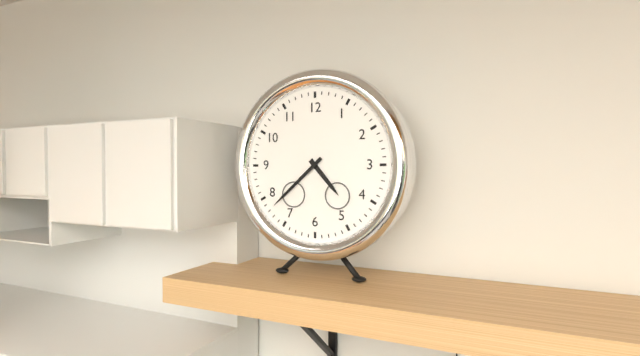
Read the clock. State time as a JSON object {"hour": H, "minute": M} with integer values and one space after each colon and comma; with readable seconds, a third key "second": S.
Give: {"hour": 4, "minute": 38}
